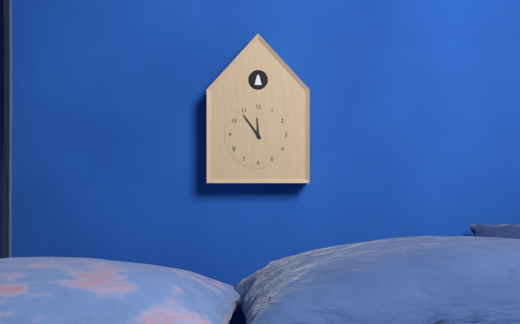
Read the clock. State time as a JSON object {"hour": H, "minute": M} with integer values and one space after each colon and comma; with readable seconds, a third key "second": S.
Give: {"hour": 11, "minute": 54}
